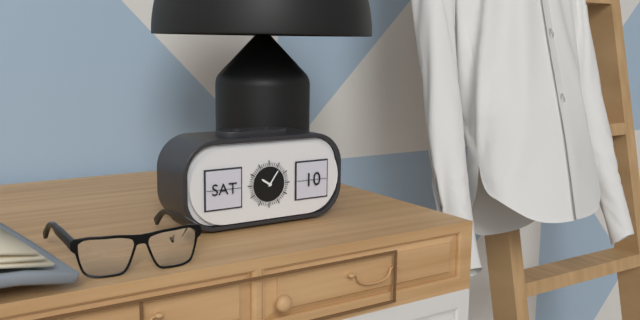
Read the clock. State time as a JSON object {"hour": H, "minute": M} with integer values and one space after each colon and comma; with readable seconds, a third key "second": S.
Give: {"hour": 10, "minute": 6}
